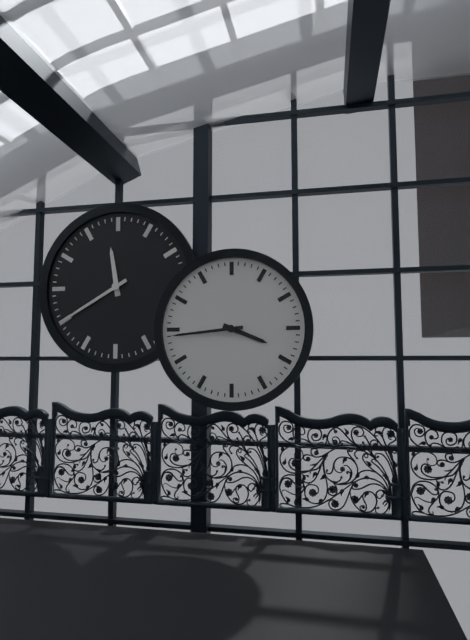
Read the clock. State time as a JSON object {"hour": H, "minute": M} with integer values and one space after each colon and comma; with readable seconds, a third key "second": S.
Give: {"hour": 3, "minute": 44}
